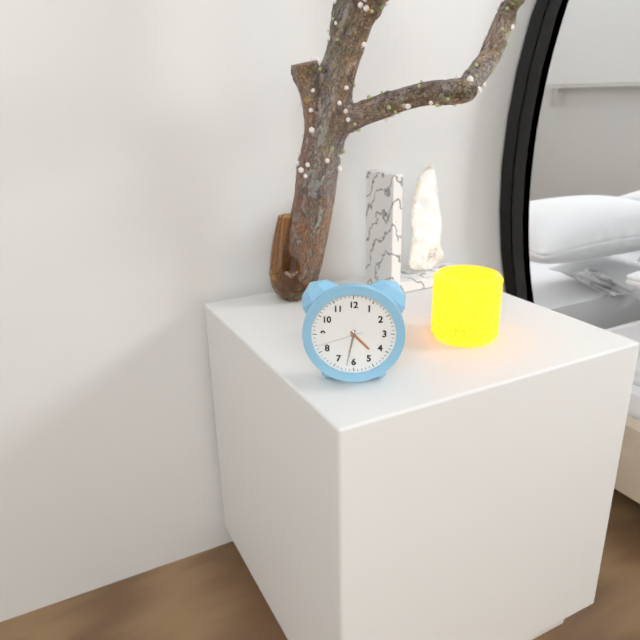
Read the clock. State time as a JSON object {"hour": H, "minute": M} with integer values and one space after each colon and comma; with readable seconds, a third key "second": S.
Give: {"hour": 4, "minute": 32}
